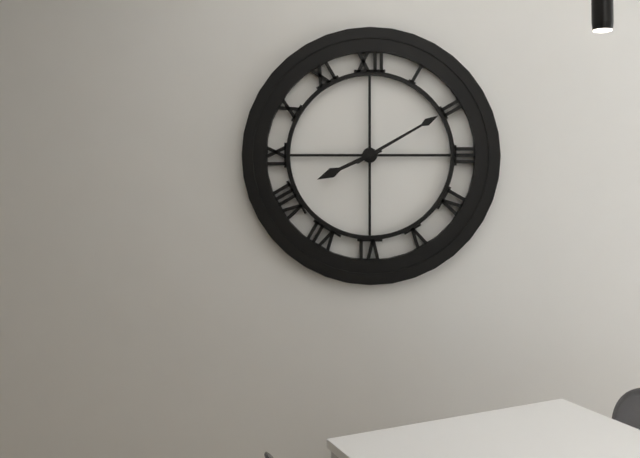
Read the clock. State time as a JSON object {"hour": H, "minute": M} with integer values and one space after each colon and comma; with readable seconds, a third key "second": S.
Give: {"hour": 8, "minute": 10}
